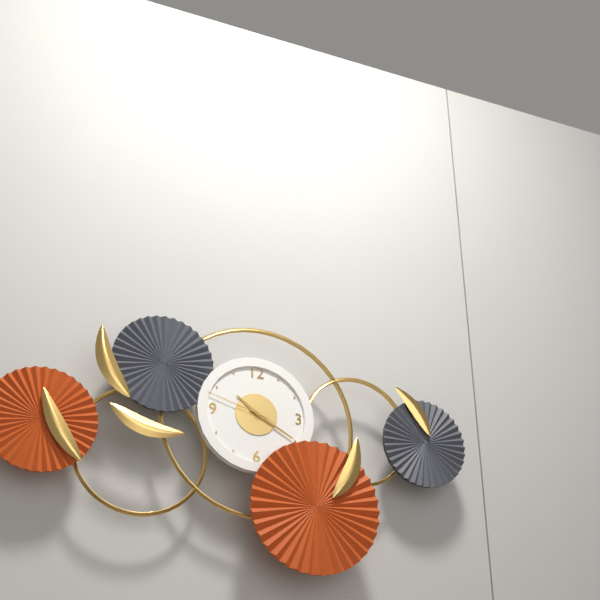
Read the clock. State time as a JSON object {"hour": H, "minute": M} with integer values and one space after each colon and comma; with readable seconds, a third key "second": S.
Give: {"hour": 10, "minute": 20, "second": 48}
